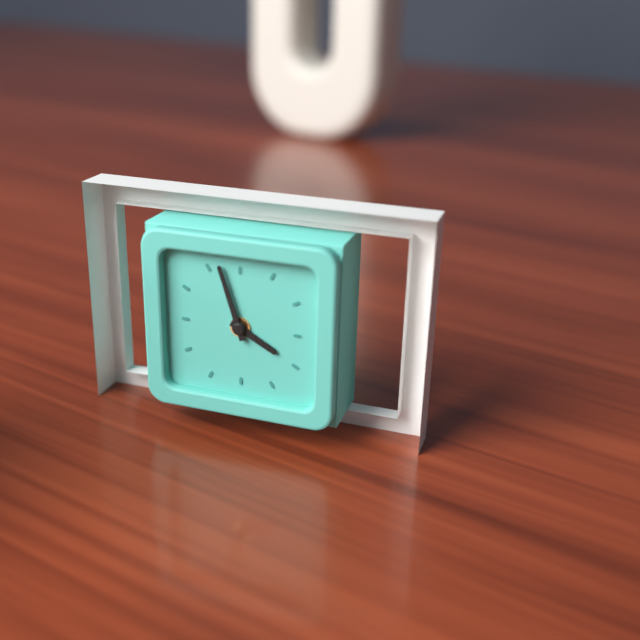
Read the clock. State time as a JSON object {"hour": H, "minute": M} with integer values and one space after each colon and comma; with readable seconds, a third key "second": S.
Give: {"hour": 3, "minute": 57}
